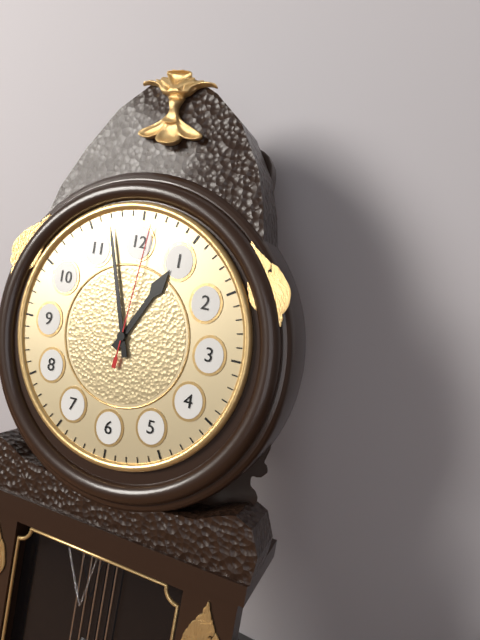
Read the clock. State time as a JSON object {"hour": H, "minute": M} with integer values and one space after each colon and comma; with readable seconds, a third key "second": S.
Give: {"hour": 12, "minute": 57, "second": 1}
